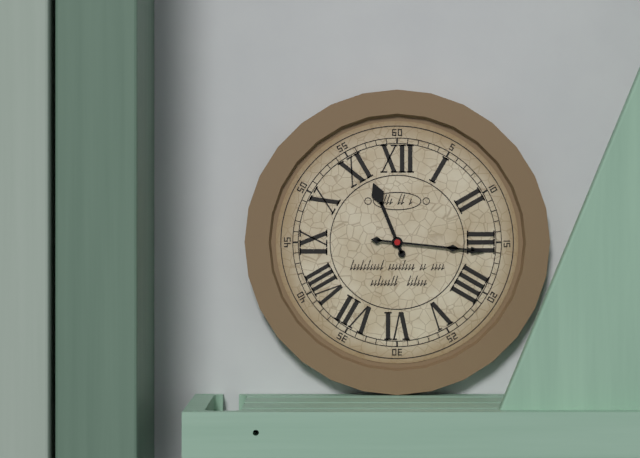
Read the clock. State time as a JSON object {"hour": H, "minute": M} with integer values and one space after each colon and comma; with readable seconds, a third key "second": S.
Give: {"hour": 11, "minute": 16}
